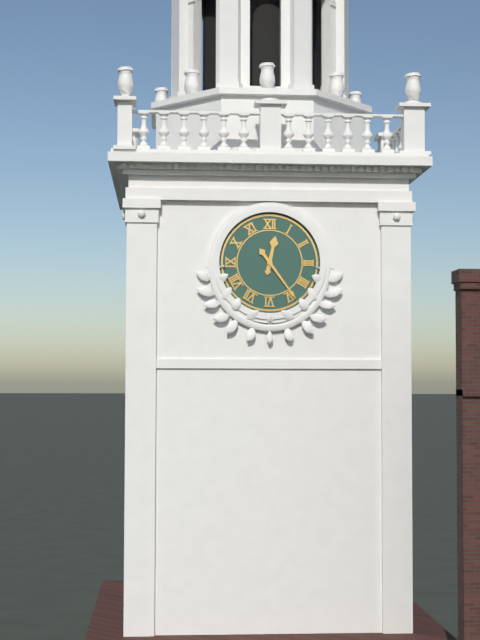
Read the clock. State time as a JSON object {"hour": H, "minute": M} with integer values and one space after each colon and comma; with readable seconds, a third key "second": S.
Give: {"hour": 12, "minute": 24}
